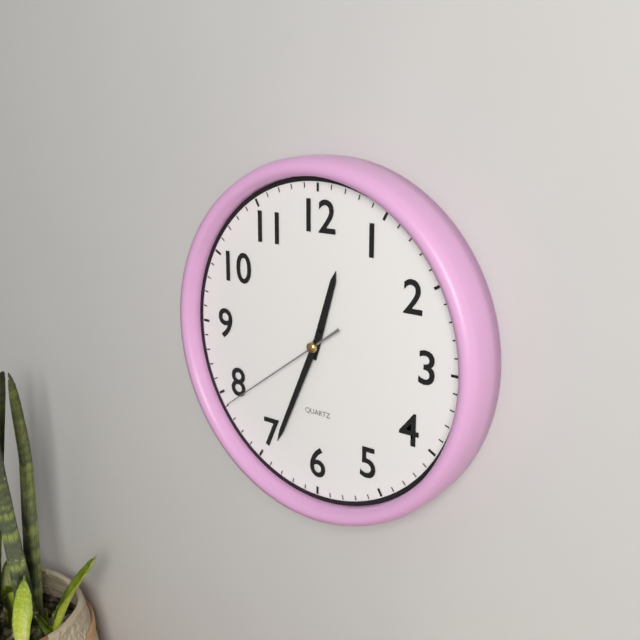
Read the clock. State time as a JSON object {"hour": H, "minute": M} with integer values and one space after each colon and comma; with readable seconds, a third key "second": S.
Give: {"hour": 12, "minute": 34, "second": 39}
